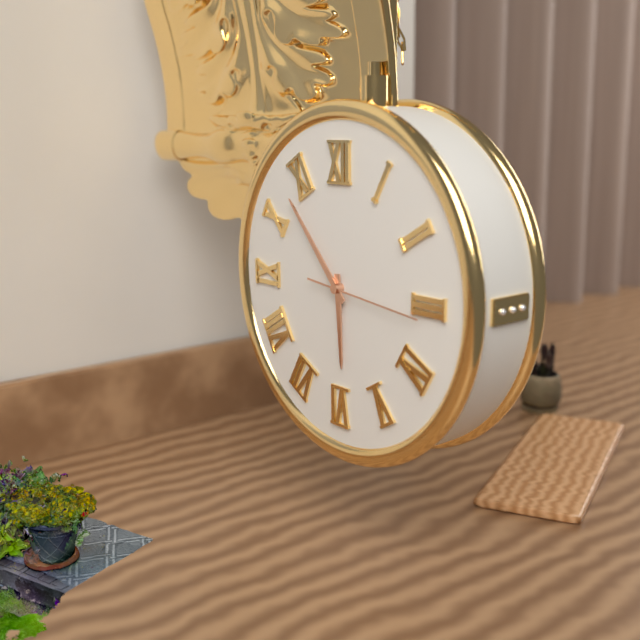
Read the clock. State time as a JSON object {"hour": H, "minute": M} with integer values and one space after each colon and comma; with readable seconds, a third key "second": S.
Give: {"hour": 5, "minute": 53, "second": 16}
